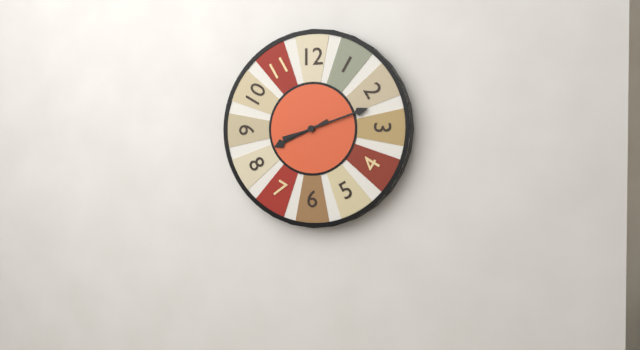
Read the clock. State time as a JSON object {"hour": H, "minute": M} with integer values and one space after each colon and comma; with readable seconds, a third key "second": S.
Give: {"hour": 8, "minute": 12}
